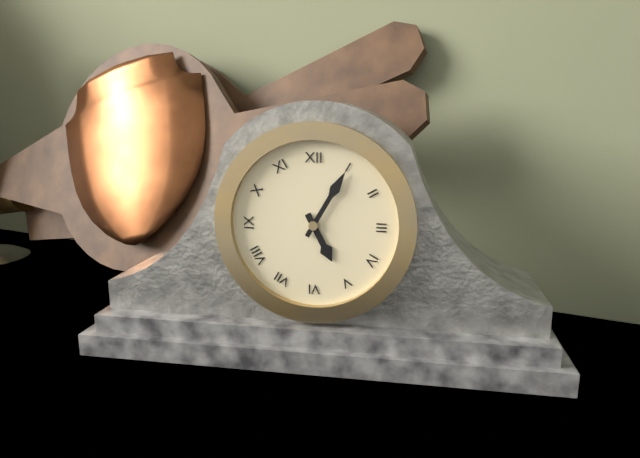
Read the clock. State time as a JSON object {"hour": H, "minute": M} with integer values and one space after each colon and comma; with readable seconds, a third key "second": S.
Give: {"hour": 5, "minute": 5}
